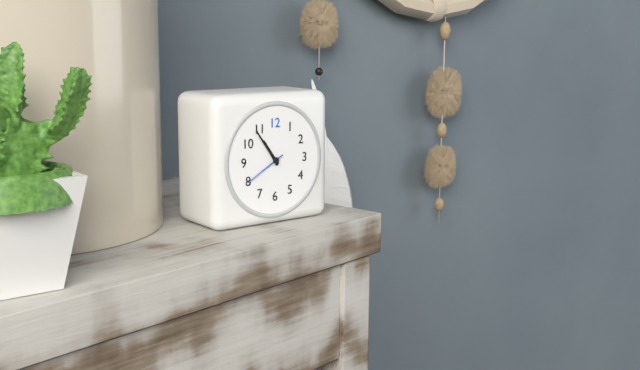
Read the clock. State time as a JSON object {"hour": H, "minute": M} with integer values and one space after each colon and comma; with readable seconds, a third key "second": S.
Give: {"hour": 10, "minute": 54}
